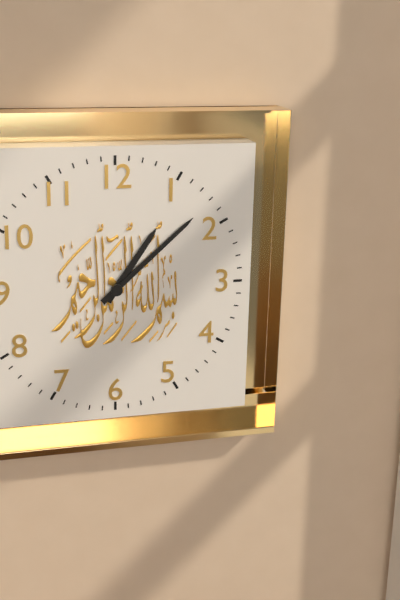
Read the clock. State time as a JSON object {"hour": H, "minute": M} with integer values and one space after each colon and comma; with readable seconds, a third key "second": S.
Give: {"hour": 1, "minute": 8}
